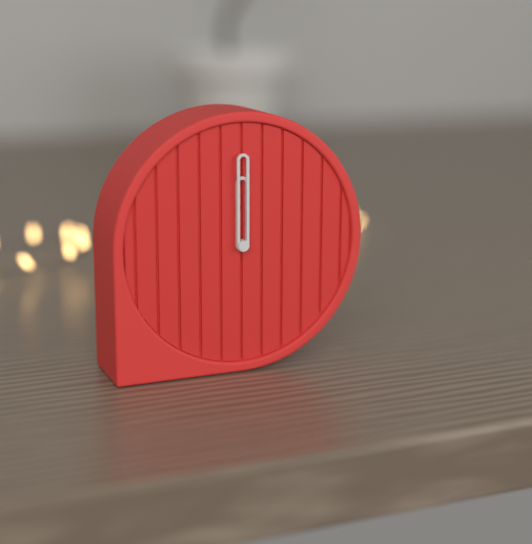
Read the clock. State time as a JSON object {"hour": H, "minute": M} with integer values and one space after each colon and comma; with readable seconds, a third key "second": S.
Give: {"hour": 12, "minute": 0}
